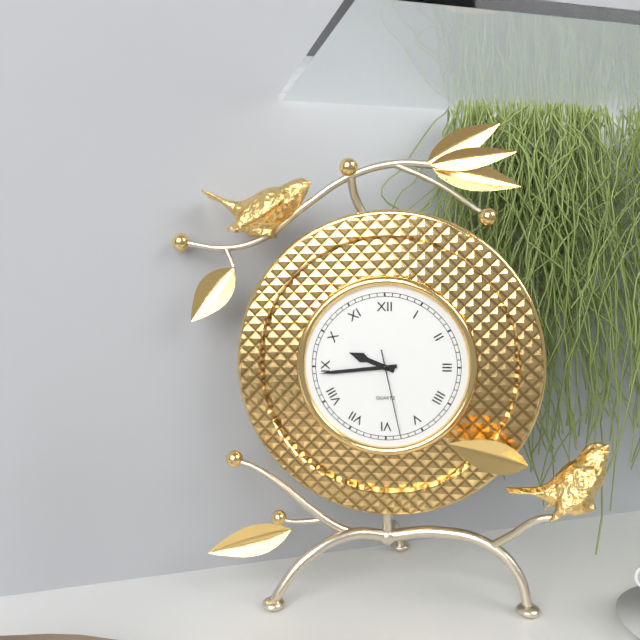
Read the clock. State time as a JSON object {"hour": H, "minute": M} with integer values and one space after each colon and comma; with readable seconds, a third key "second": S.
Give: {"hour": 9, "minute": 44, "second": 28}
